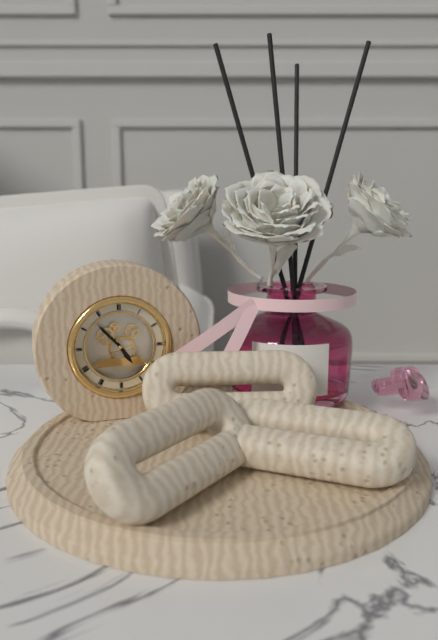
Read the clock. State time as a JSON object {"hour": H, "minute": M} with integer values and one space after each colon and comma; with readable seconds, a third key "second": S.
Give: {"hour": 4, "minute": 53}
